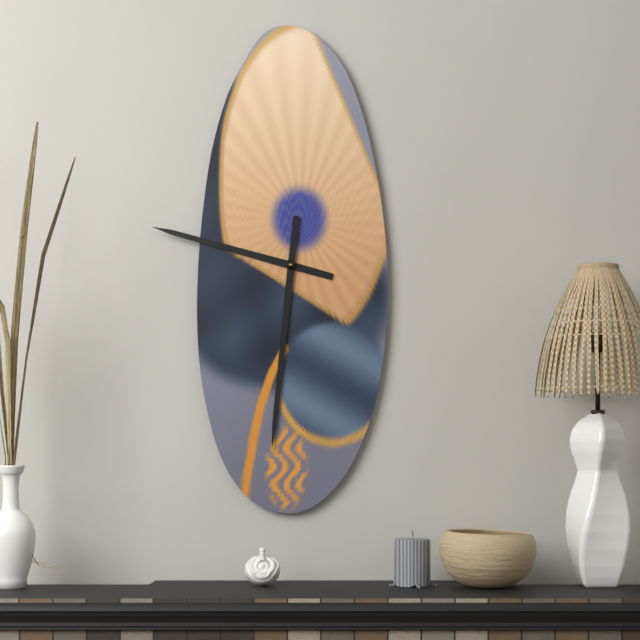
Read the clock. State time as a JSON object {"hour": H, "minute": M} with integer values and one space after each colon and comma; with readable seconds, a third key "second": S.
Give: {"hour": 9, "minute": 31}
